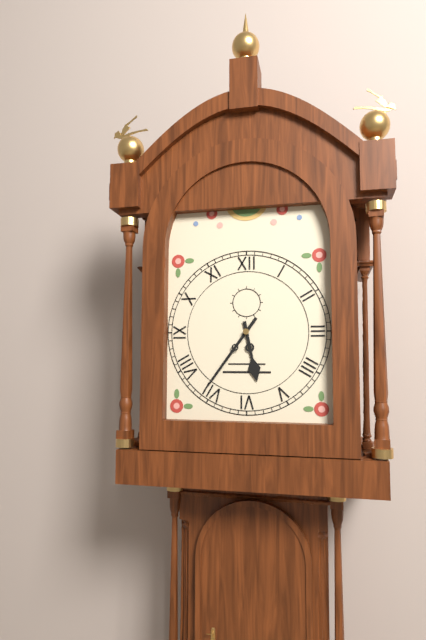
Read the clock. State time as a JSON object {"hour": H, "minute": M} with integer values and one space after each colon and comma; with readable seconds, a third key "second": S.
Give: {"hour": 5, "minute": 36}
